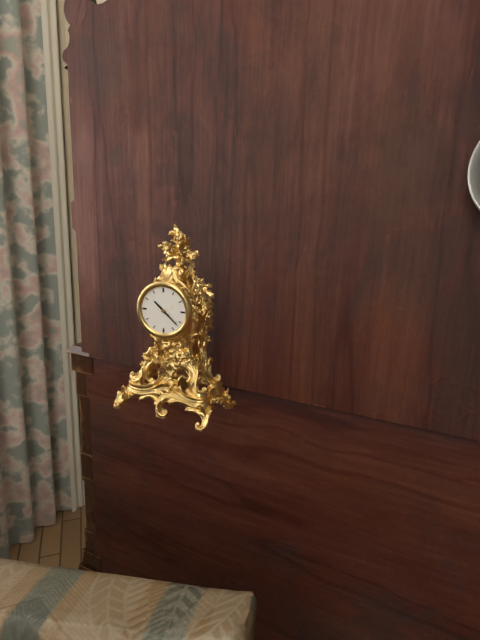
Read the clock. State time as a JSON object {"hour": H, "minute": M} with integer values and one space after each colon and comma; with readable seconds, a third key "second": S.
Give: {"hour": 10, "minute": 22}
